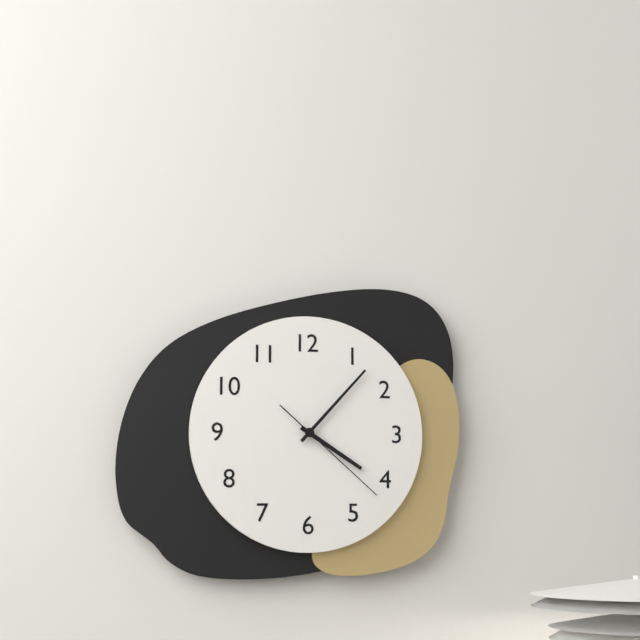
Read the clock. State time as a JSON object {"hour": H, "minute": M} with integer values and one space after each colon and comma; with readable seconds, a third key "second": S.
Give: {"hour": 4, "minute": 7, "second": 22}
